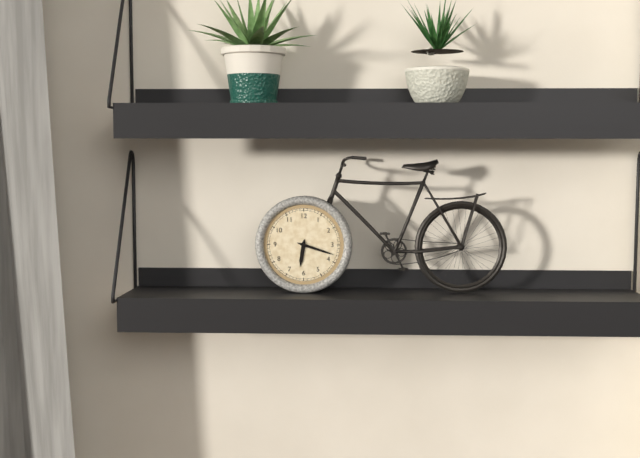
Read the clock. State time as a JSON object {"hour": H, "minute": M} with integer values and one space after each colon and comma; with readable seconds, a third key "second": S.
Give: {"hour": 6, "minute": 18}
